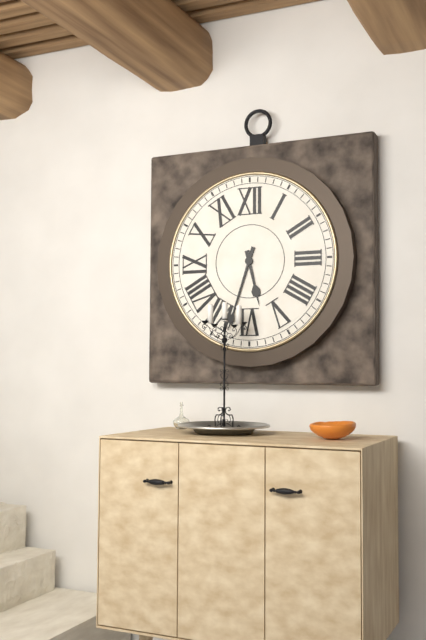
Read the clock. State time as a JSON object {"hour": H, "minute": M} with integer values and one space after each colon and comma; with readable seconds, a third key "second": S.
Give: {"hour": 5, "minute": 33}
